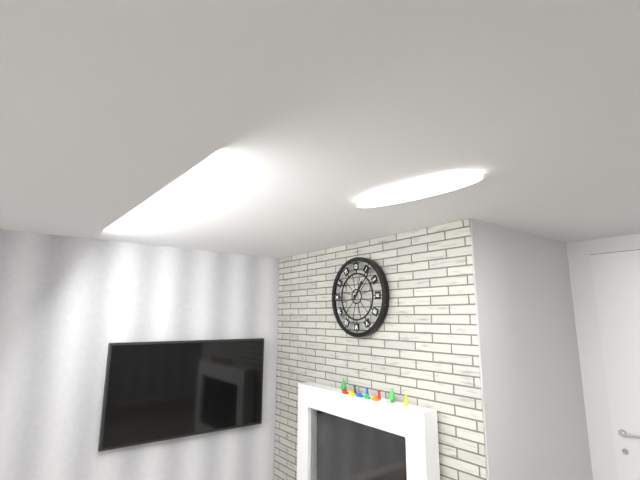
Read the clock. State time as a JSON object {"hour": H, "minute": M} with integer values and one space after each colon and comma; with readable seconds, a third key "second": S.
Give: {"hour": 1, "minute": 7}
